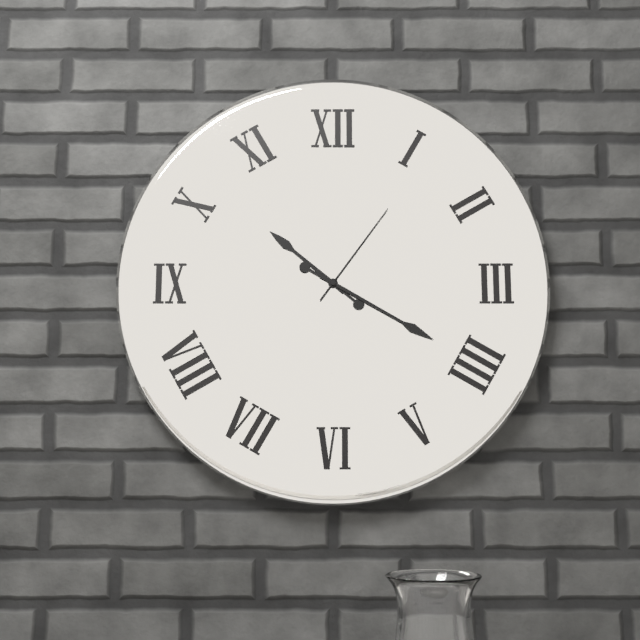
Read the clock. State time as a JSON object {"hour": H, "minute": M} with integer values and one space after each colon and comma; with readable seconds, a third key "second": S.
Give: {"hour": 10, "minute": 20, "second": 6}
